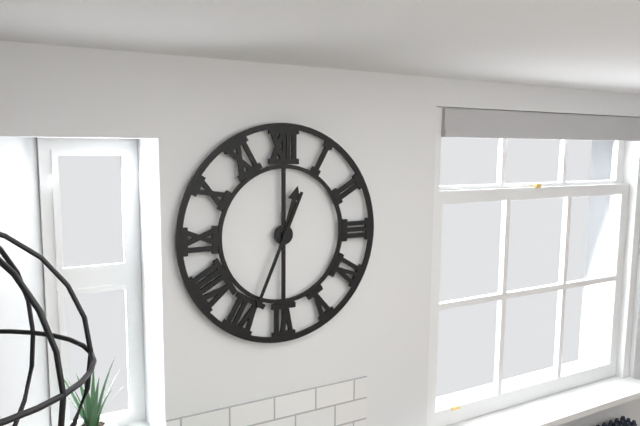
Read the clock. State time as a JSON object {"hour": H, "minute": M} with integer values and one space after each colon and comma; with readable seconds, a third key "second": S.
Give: {"hour": 12, "minute": 34}
